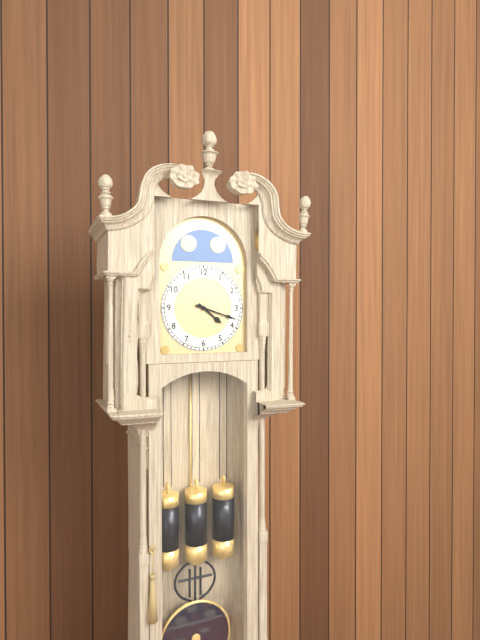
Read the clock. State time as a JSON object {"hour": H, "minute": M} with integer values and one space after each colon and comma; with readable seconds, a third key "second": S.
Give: {"hour": 4, "minute": 18}
